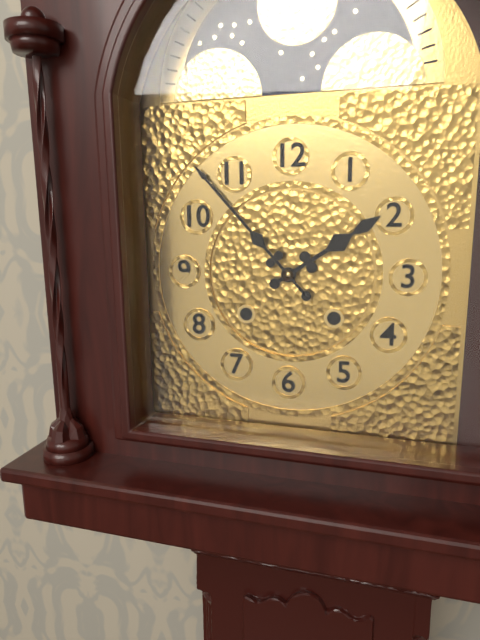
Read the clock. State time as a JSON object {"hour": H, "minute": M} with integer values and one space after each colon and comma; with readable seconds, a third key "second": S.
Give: {"hour": 1, "minute": 53}
